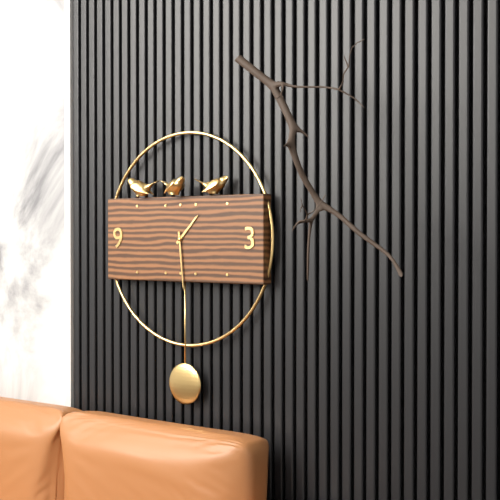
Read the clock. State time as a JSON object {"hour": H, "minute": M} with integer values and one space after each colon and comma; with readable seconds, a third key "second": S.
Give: {"hour": 1, "minute": 29}
